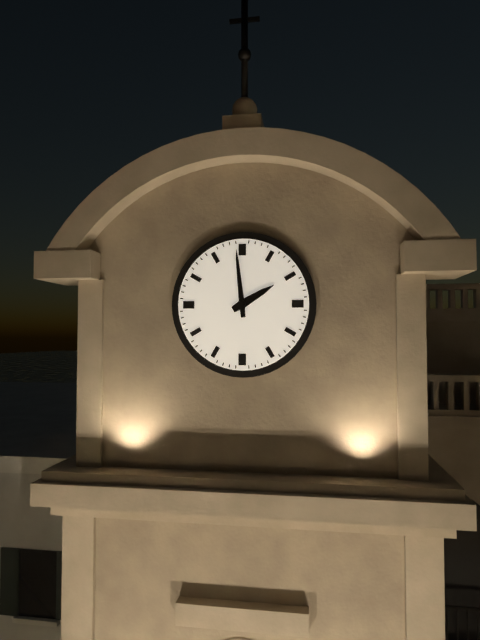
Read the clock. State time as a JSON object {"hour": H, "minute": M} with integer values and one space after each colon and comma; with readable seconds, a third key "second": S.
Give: {"hour": 1, "minute": 59}
